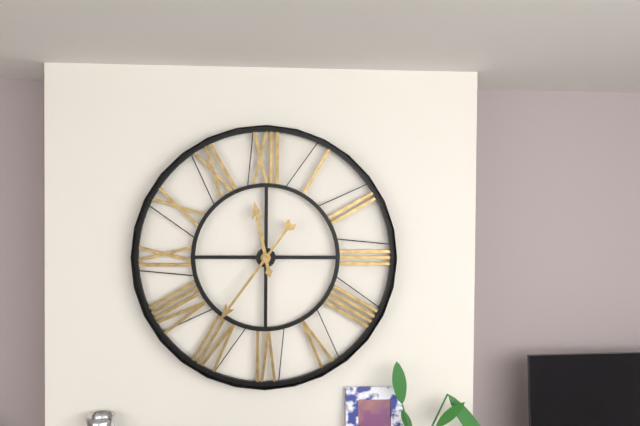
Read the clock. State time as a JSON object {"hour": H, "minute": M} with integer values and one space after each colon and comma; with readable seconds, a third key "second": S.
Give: {"hour": 11, "minute": 36}
